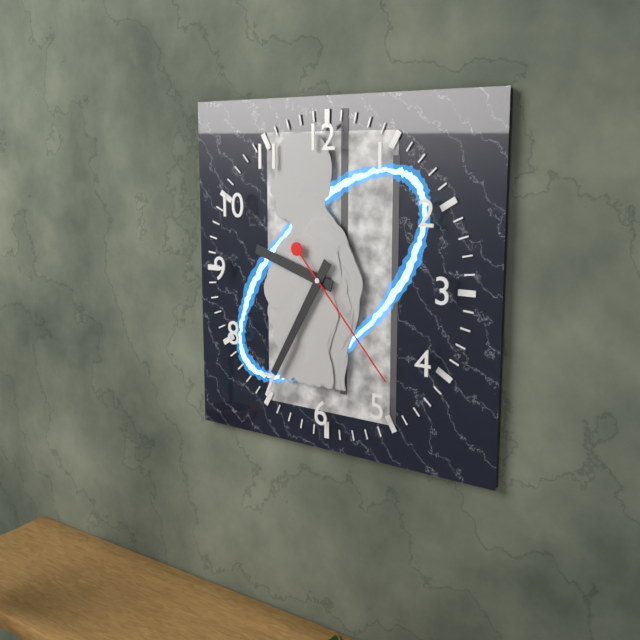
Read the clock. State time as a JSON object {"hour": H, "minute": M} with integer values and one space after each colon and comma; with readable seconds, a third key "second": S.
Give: {"hour": 9, "minute": 35, "second": 23}
